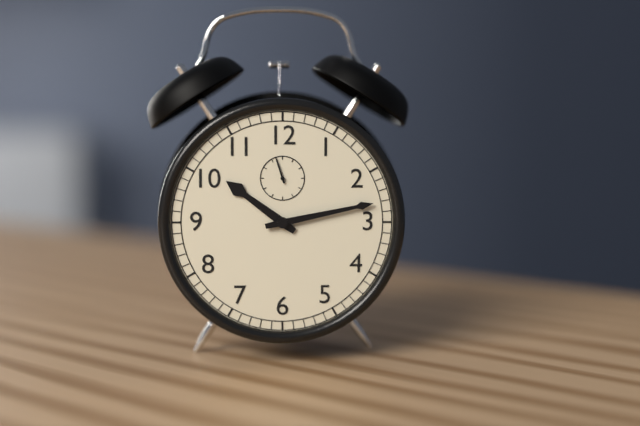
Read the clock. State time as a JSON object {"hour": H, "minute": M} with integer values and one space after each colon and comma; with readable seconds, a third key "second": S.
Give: {"hour": 10, "minute": 13}
